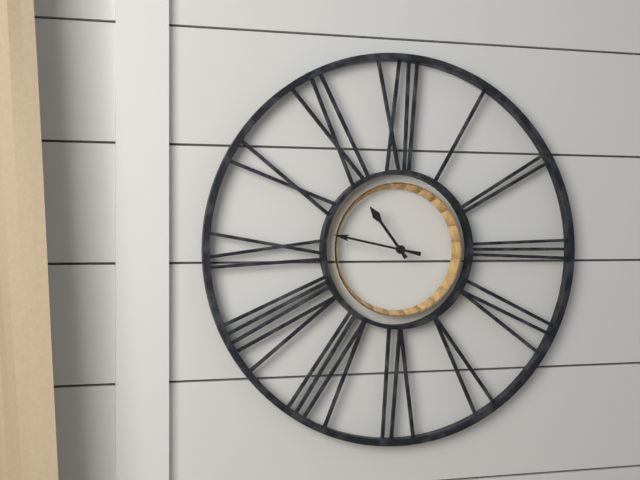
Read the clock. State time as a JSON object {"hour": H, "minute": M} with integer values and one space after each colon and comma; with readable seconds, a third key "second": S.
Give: {"hour": 10, "minute": 47}
